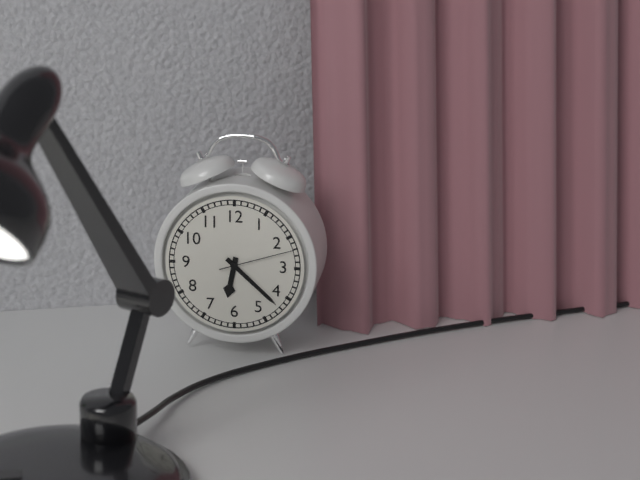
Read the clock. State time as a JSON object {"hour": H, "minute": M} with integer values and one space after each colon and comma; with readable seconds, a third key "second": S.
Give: {"hour": 6, "minute": 22, "second": 12}
